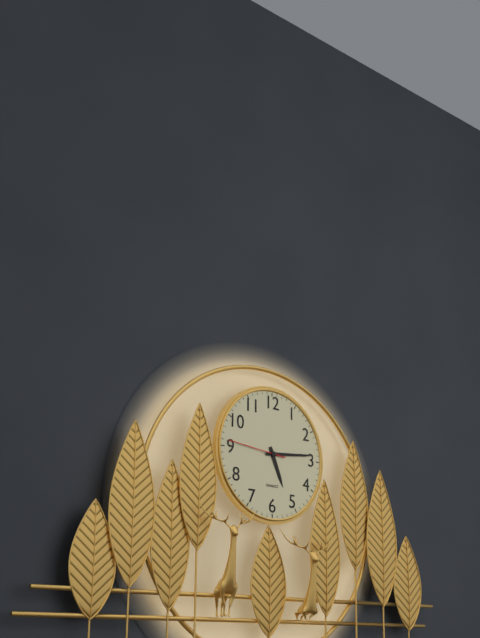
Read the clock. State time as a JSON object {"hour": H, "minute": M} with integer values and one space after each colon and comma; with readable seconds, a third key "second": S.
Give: {"hour": 5, "minute": 14, "second": 46}
